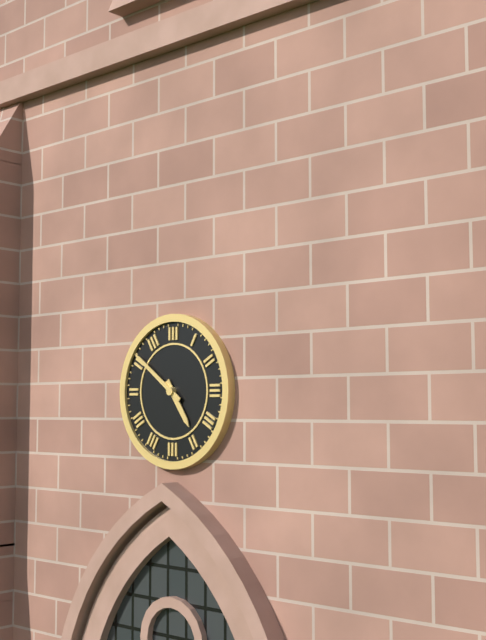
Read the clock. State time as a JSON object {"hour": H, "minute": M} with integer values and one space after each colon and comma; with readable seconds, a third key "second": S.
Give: {"hour": 4, "minute": 51}
